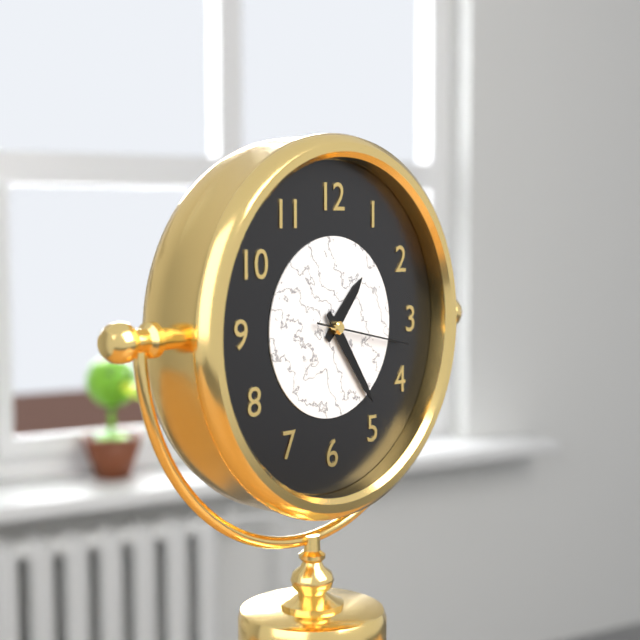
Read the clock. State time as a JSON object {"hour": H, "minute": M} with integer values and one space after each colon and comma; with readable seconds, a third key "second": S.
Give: {"hour": 1, "minute": 24, "second": 17}
